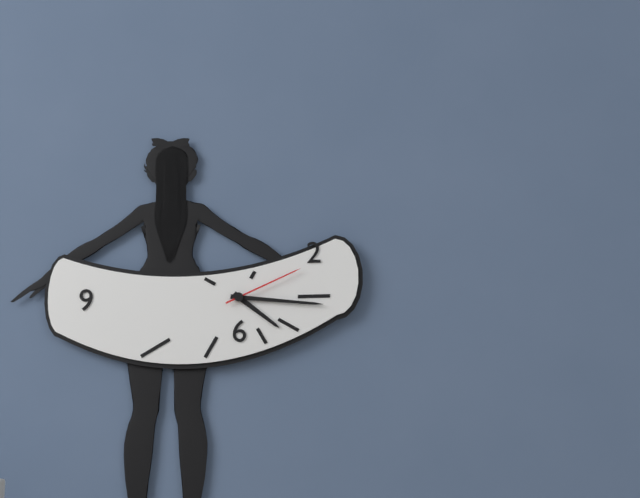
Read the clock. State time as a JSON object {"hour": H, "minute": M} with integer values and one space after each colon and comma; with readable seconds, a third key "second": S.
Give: {"hour": 4, "minute": 16, "second": 11}
